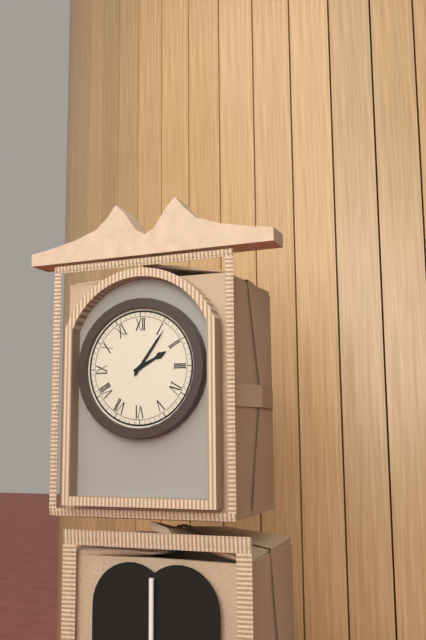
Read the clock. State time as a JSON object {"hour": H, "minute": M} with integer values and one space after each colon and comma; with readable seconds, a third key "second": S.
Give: {"hour": 2, "minute": 6}
